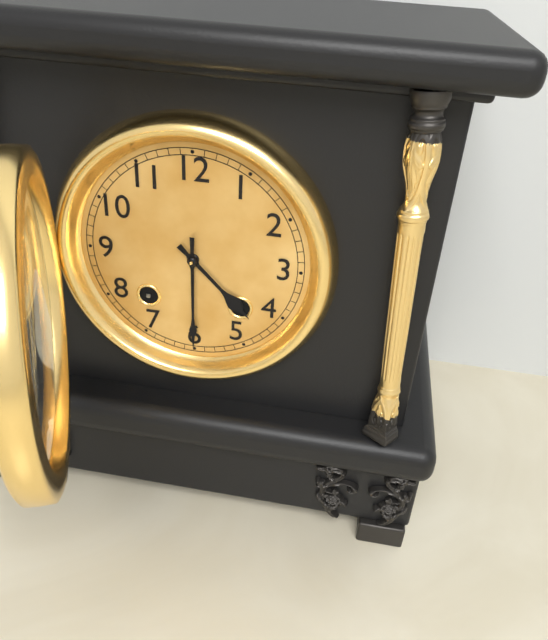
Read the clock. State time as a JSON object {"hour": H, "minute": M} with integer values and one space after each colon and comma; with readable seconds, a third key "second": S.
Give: {"hour": 4, "minute": 30}
